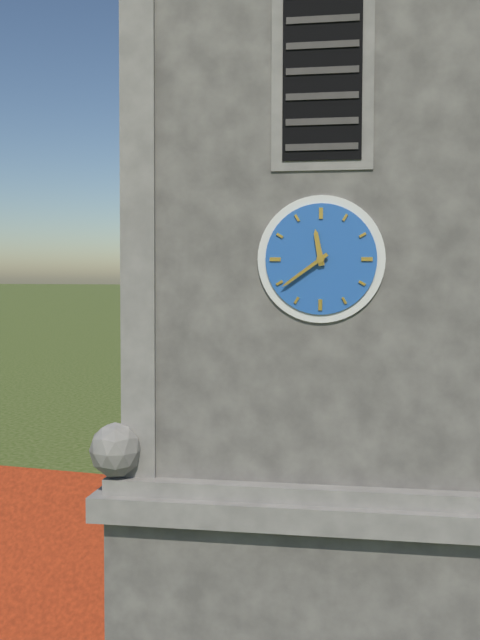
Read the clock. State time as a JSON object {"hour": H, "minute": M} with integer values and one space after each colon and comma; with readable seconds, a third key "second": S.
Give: {"hour": 11, "minute": 39}
